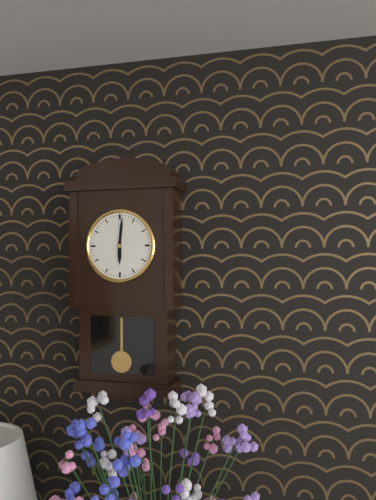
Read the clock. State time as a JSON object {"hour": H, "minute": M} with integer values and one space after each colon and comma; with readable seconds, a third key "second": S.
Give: {"hour": 6, "minute": 1}
